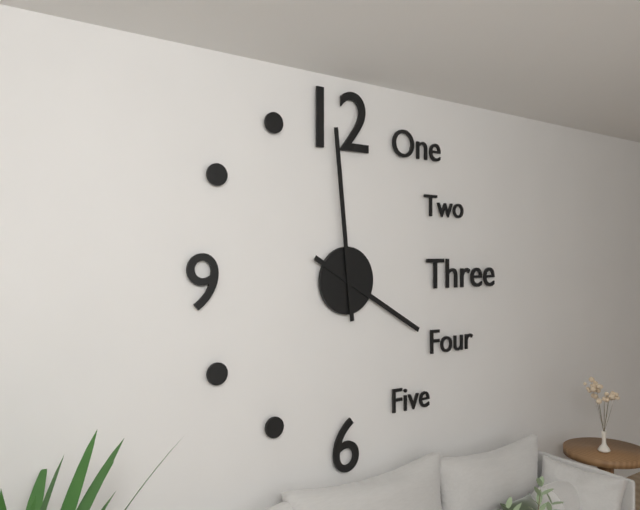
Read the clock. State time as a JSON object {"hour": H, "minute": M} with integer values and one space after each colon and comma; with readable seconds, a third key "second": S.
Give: {"hour": 3, "minute": 59}
